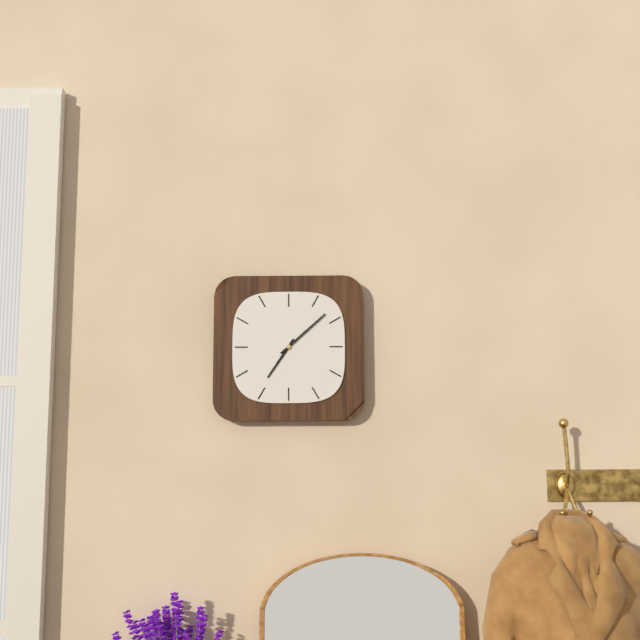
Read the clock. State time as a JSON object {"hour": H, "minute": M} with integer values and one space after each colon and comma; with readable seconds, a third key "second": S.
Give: {"hour": 7, "minute": 8}
